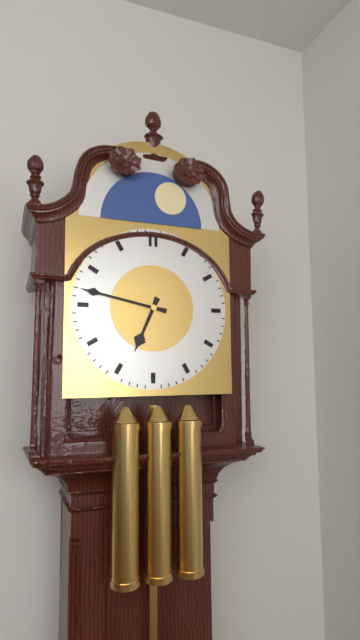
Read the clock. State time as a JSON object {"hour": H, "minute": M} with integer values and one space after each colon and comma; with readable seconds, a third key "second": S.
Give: {"hour": 6, "minute": 47}
